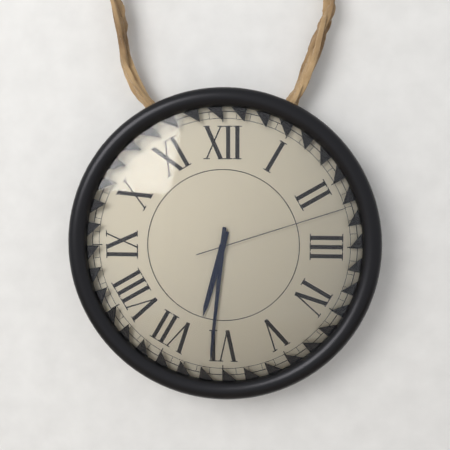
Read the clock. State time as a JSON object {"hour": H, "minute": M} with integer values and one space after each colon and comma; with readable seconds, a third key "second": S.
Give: {"hour": 6, "minute": 31, "second": 12}
